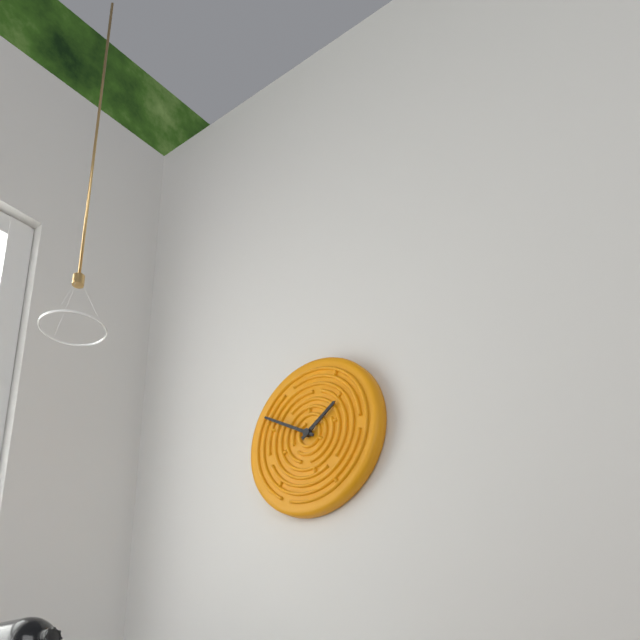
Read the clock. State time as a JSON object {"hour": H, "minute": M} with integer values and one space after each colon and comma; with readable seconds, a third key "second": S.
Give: {"hour": 1, "minute": 50}
